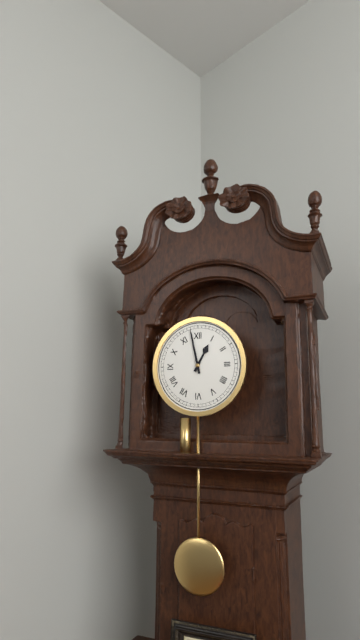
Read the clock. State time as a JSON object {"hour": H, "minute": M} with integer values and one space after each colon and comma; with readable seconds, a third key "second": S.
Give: {"hour": 12, "minute": 58}
